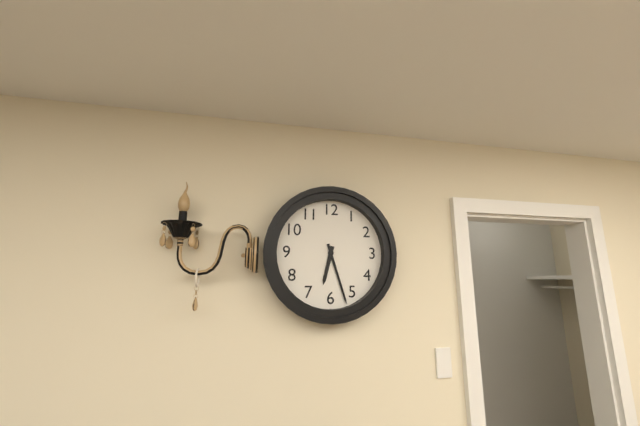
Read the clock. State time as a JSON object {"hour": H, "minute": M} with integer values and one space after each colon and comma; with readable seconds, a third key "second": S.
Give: {"hour": 6, "minute": 27}
